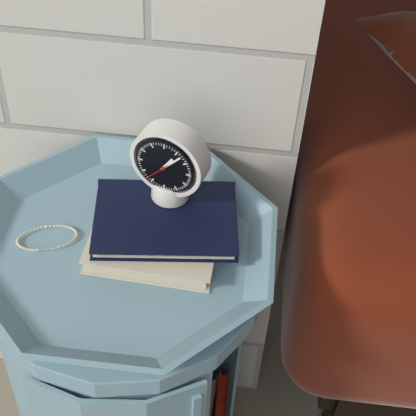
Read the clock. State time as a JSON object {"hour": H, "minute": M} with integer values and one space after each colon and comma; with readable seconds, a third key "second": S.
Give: {"hour": 1, "minute": 7}
